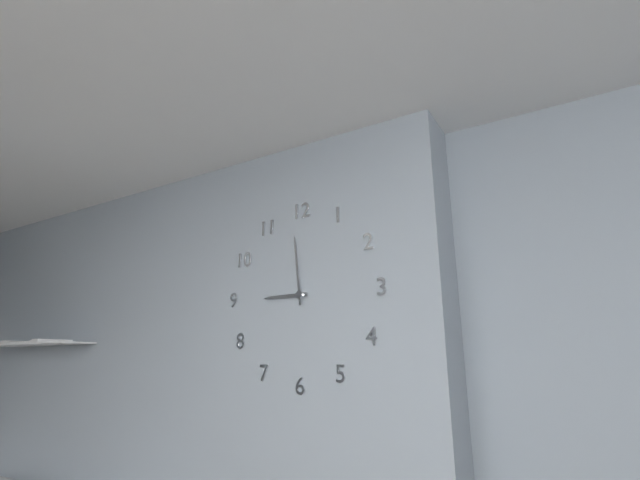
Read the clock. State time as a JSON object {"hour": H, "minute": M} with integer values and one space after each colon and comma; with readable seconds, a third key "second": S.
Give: {"hour": 8, "minute": 59}
